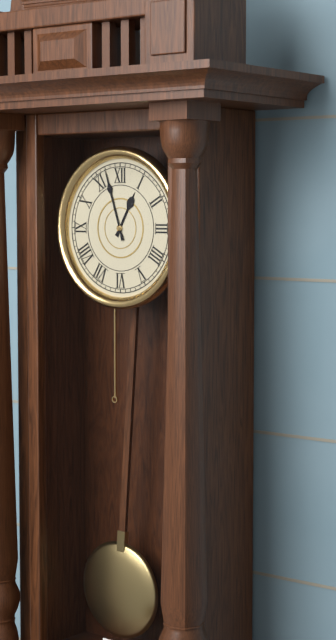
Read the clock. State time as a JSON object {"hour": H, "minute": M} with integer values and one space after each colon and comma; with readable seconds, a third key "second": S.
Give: {"hour": 12, "minute": 57}
